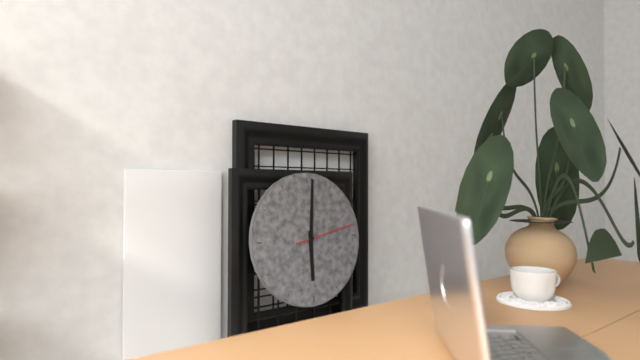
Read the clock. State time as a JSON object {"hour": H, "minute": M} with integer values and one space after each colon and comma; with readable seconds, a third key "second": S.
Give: {"hour": 6, "minute": 1, "second": 13}
